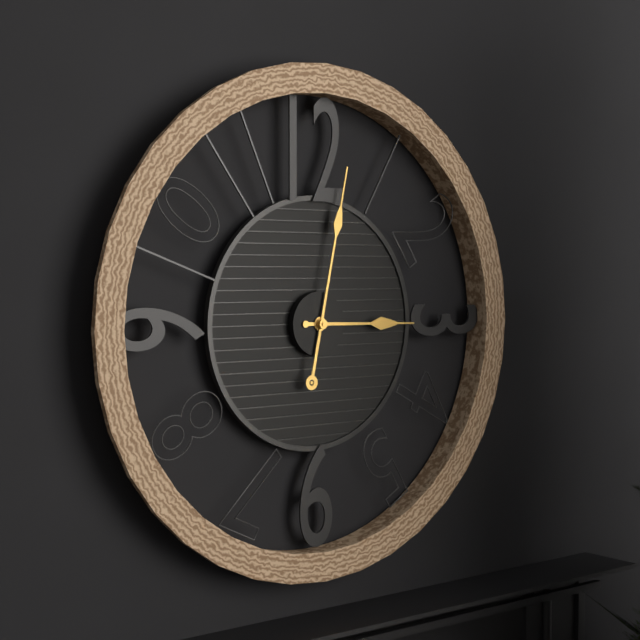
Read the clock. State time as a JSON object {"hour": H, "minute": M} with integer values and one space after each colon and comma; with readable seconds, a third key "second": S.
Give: {"hour": 3, "minute": 2}
